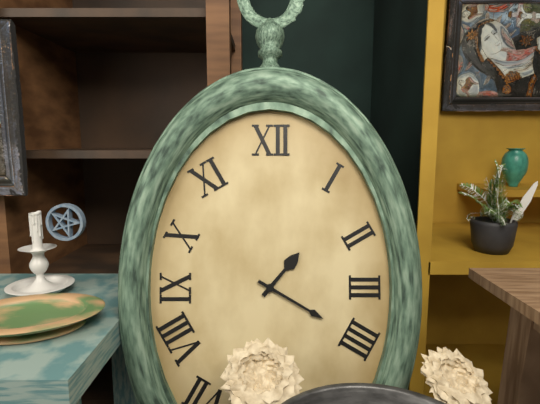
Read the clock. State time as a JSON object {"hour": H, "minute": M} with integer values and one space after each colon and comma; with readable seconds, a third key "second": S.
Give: {"hour": 1, "minute": 20}
